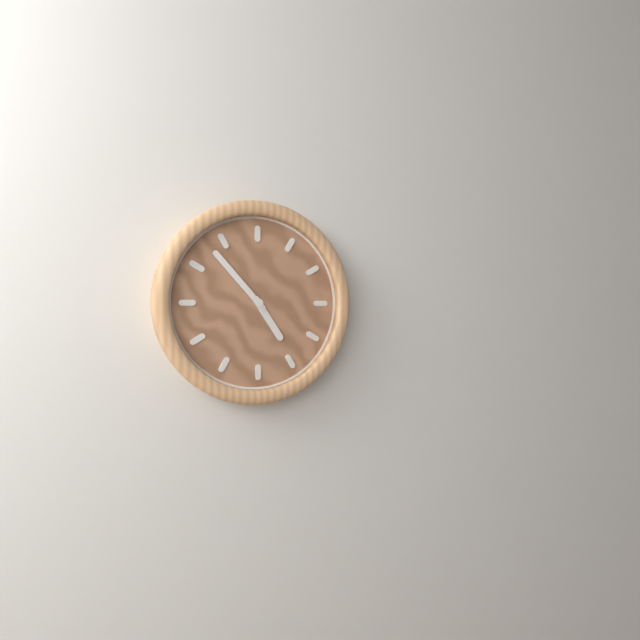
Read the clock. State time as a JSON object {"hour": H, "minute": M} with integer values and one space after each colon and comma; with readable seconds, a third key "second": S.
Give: {"hour": 4, "minute": 53}
